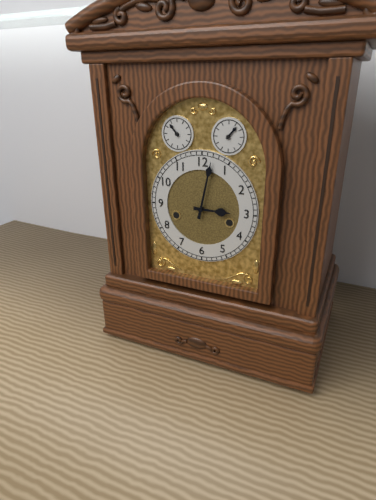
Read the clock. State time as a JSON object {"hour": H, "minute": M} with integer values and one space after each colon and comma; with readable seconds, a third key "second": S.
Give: {"hour": 3, "minute": 2}
